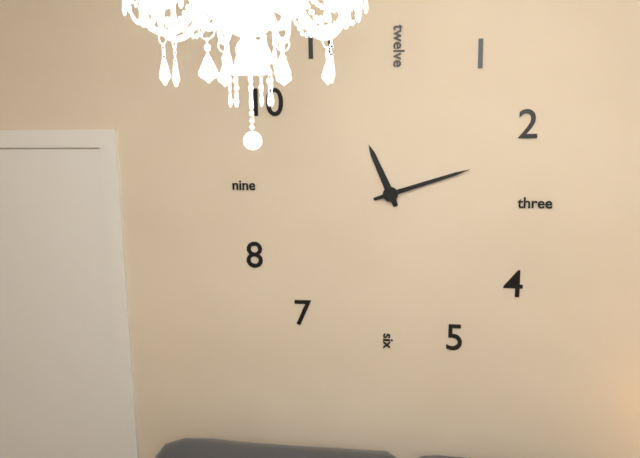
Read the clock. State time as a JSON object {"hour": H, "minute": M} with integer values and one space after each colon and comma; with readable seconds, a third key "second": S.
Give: {"hour": 11, "minute": 12}
